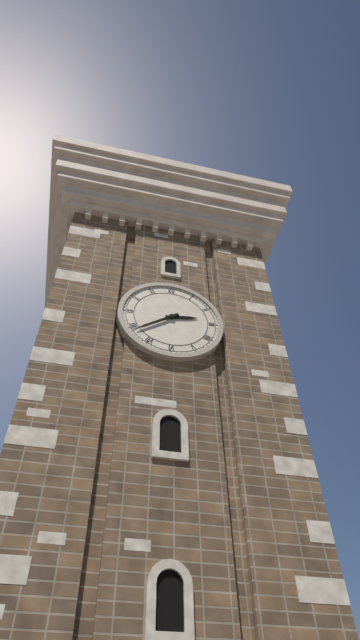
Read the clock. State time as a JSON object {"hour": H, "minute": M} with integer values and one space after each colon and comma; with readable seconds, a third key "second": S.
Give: {"hour": 2, "minute": 39}
